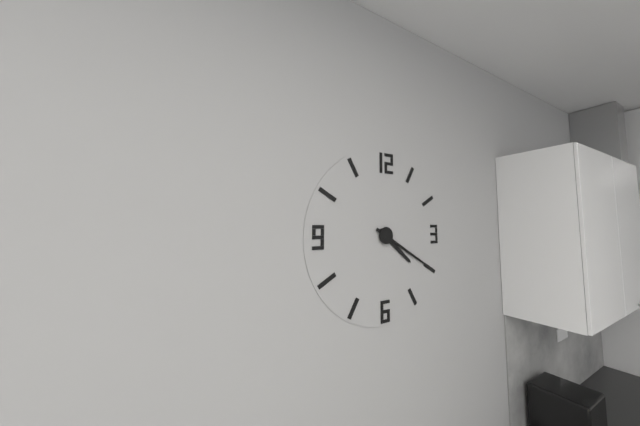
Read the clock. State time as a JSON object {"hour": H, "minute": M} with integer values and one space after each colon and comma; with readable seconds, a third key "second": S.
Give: {"hour": 4, "minute": 20}
